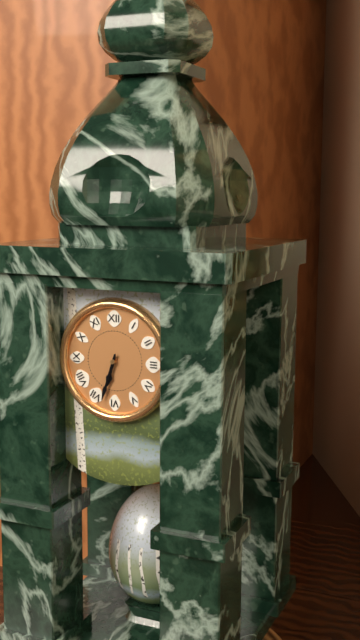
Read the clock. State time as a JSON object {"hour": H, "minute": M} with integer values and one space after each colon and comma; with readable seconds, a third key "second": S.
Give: {"hour": 6, "minute": 33}
